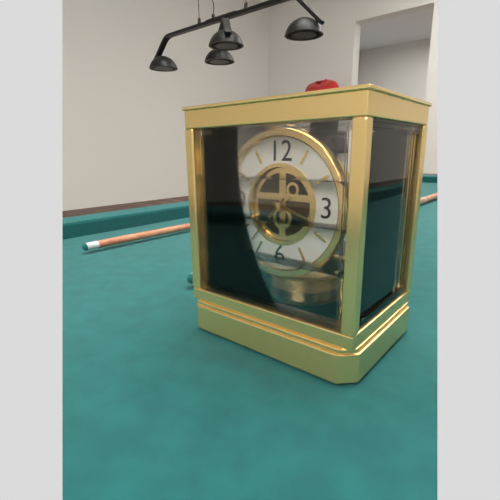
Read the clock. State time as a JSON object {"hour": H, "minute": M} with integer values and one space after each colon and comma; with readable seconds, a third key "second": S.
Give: {"hour": 3, "minute": 37}
